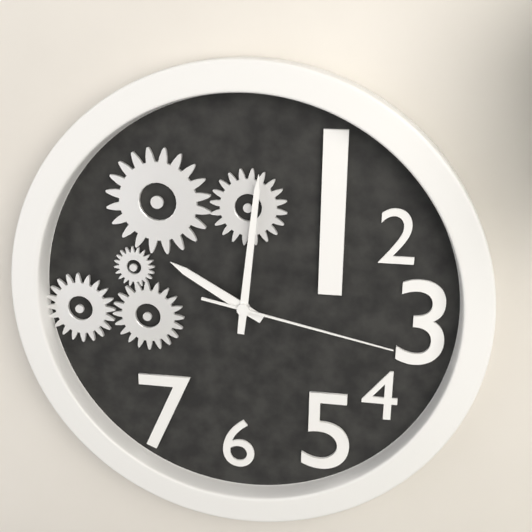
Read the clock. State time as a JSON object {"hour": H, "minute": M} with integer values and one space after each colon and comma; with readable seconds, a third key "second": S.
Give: {"hour": 10, "minute": 1, "second": 17}
